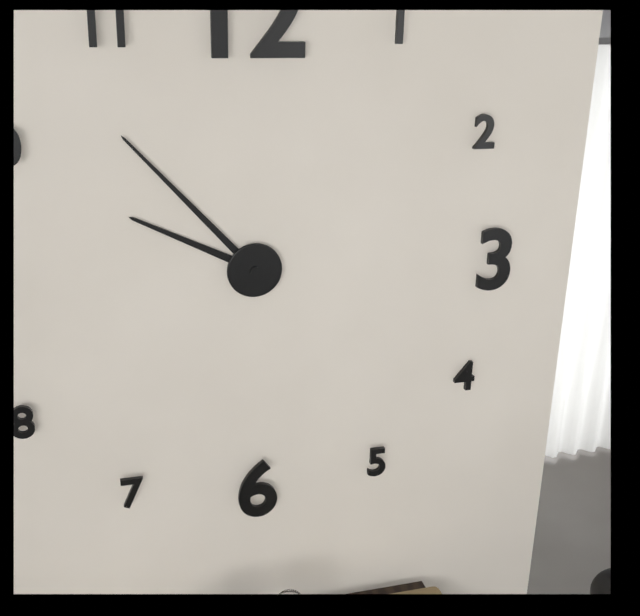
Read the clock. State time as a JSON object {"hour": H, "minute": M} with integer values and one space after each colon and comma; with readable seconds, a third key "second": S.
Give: {"hour": 9, "minute": 53}
